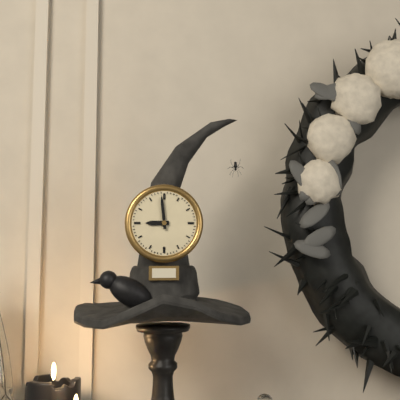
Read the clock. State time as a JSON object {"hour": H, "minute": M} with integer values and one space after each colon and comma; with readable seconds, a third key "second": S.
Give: {"hour": 8, "minute": 59}
